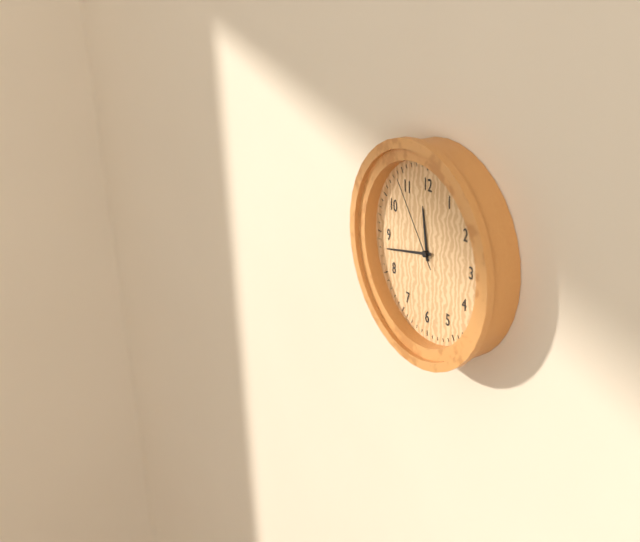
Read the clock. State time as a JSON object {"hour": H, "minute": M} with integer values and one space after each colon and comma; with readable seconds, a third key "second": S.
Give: {"hour": 11, "minute": 43, "second": 54}
